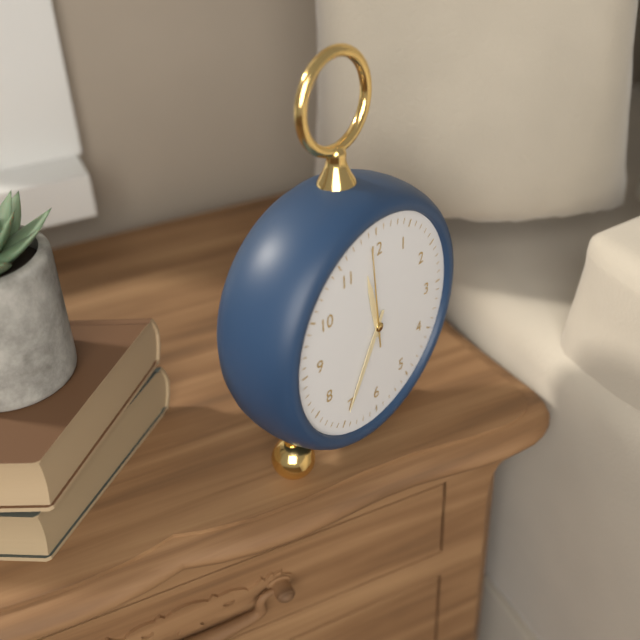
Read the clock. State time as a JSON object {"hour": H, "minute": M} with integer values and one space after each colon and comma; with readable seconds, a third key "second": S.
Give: {"hour": 11, "minute": 35, "second": 59}
